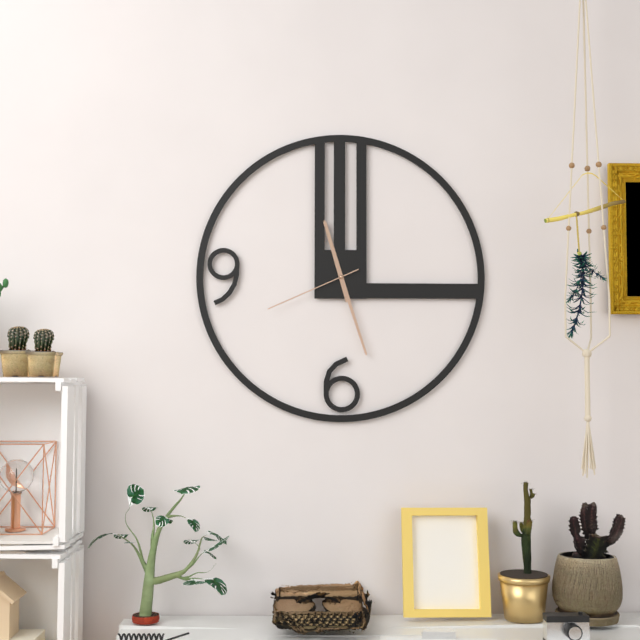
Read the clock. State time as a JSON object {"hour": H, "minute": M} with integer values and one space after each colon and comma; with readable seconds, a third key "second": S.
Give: {"hour": 11, "minute": 27, "second": 41}
